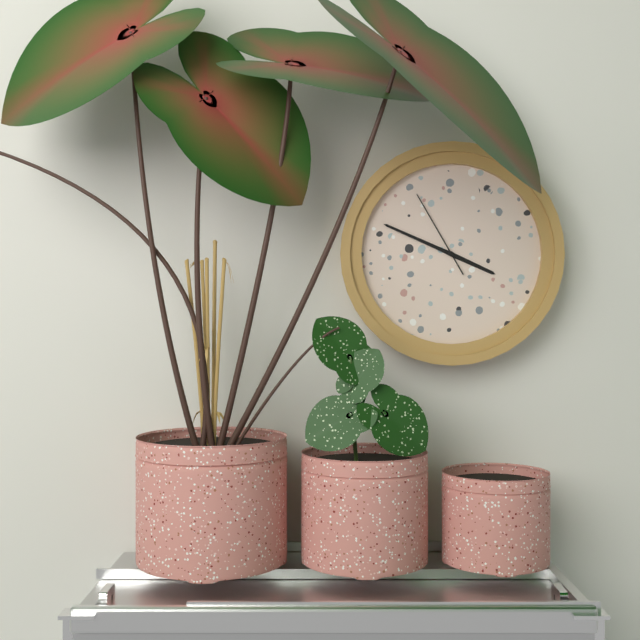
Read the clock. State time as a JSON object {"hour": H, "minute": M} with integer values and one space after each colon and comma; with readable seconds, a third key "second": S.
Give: {"hour": 3, "minute": 49, "second": 55}
